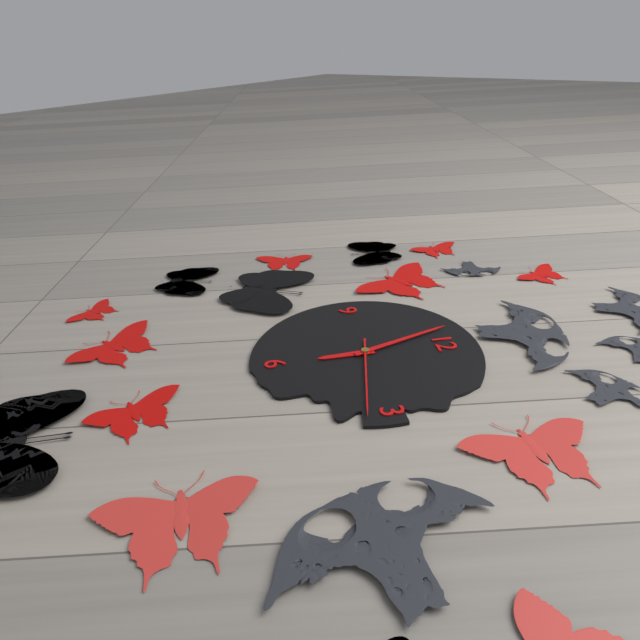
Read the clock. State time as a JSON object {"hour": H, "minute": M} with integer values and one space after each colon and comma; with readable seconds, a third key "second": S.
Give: {"hour": 5, "minute": 57, "second": 17}
